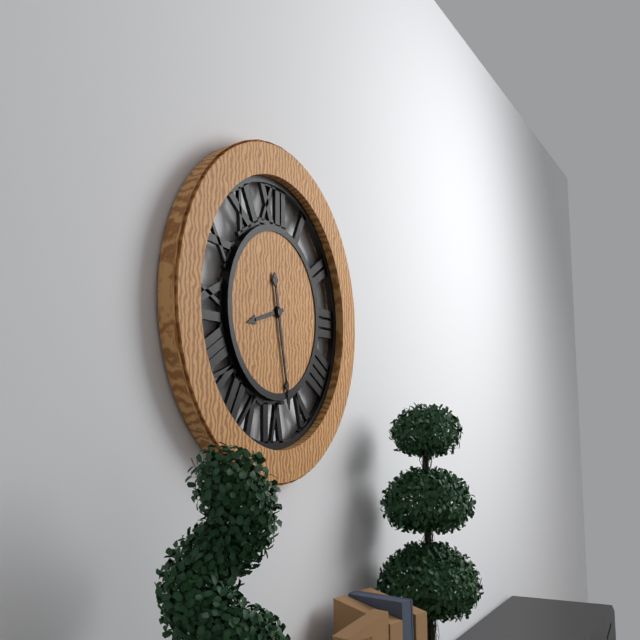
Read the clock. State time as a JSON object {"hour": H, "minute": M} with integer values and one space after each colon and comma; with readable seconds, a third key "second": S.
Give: {"hour": 8, "minute": 28}
